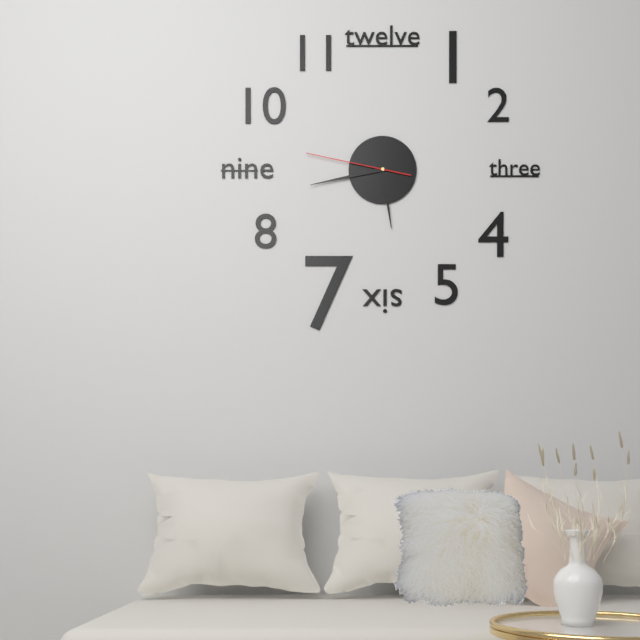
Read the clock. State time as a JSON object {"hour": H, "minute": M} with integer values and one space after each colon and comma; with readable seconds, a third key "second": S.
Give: {"hour": 5, "minute": 43, "second": 47}
